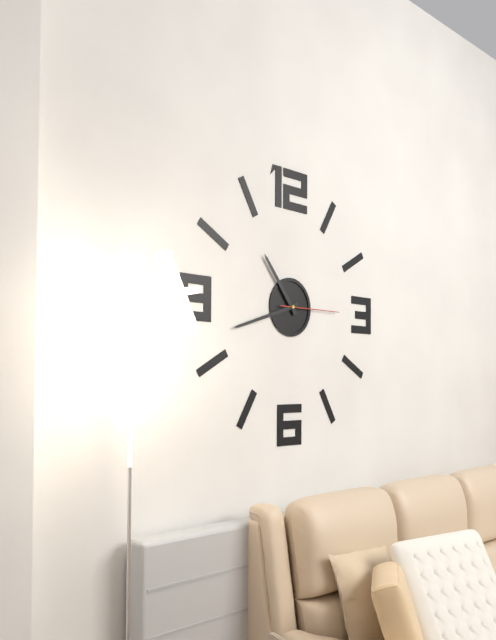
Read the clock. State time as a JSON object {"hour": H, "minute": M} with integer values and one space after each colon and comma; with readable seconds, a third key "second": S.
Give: {"hour": 10, "minute": 42, "second": 15}
